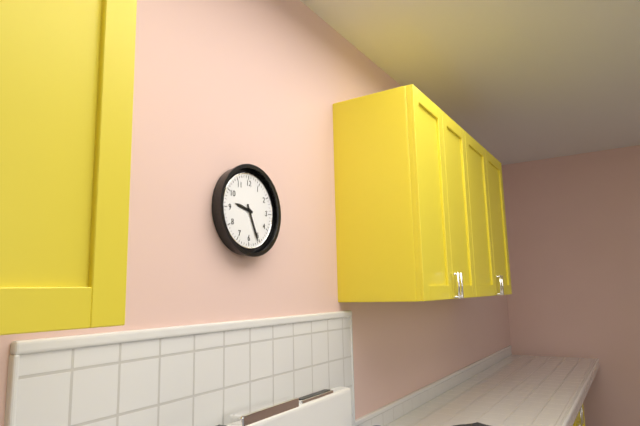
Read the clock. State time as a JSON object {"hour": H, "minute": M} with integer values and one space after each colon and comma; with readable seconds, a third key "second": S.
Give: {"hour": 9, "minute": 26}
